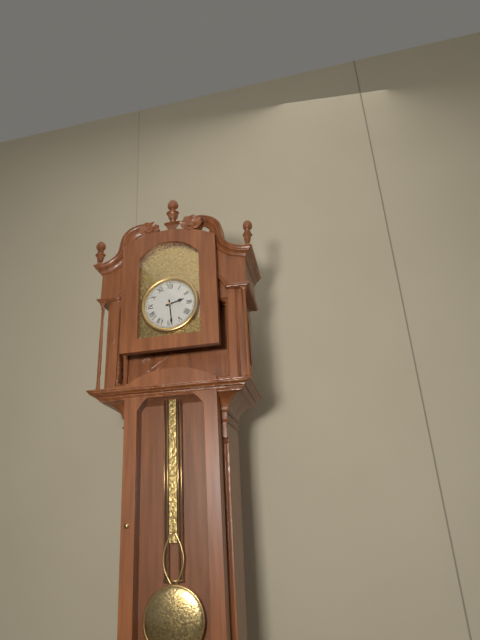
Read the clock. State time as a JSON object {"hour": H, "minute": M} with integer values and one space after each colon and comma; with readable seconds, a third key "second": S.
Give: {"hour": 2, "minute": 29}
